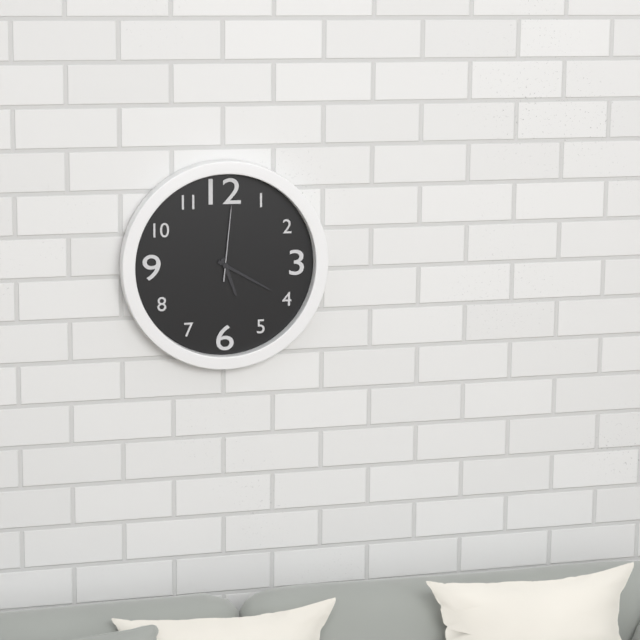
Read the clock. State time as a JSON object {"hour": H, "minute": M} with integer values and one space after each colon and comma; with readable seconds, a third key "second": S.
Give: {"hour": 5, "minute": 20, "second": 1}
